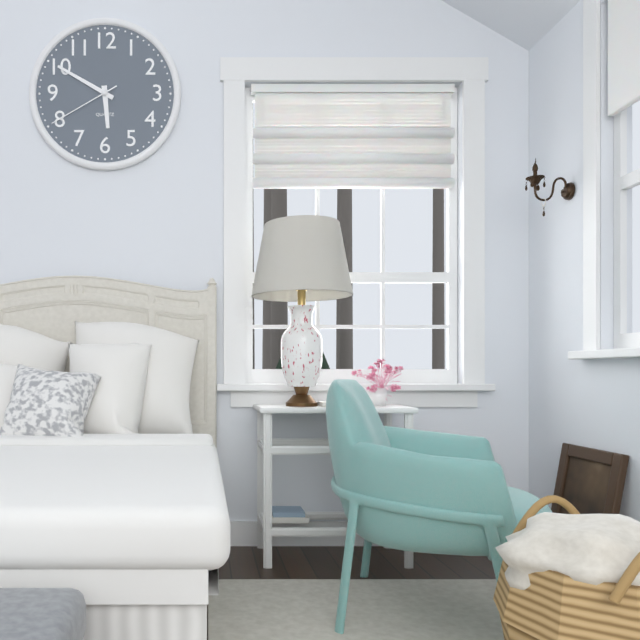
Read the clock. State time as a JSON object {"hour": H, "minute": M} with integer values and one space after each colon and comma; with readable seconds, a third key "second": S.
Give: {"hour": 5, "minute": 50, "second": 40}
